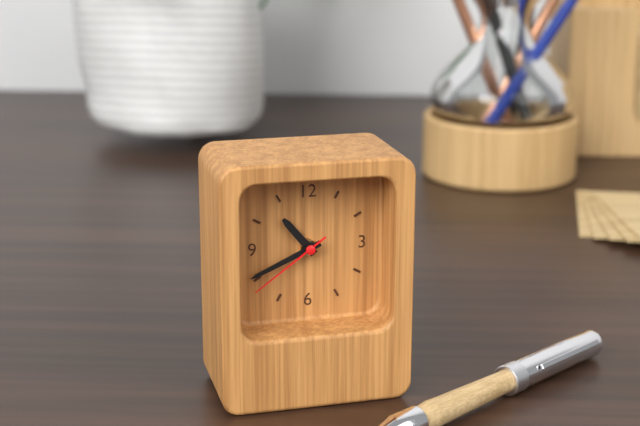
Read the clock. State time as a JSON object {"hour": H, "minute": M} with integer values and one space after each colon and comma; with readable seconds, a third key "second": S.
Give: {"hour": 10, "minute": 41, "second": 39}
